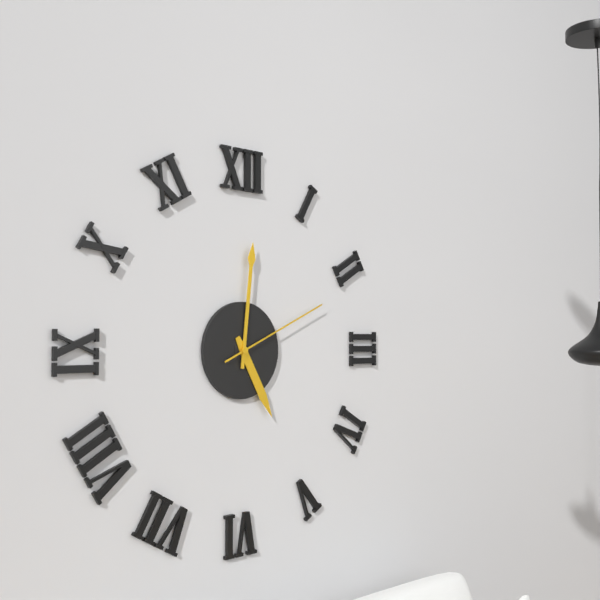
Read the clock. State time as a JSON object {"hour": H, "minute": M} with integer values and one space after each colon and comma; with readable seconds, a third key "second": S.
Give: {"hour": 5, "minute": 1, "second": 11}
